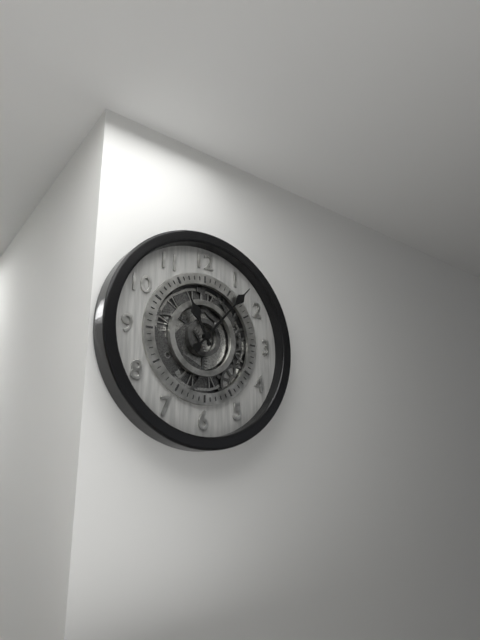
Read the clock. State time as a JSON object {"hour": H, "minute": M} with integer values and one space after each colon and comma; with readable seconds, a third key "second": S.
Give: {"hour": 11, "minute": 7}
